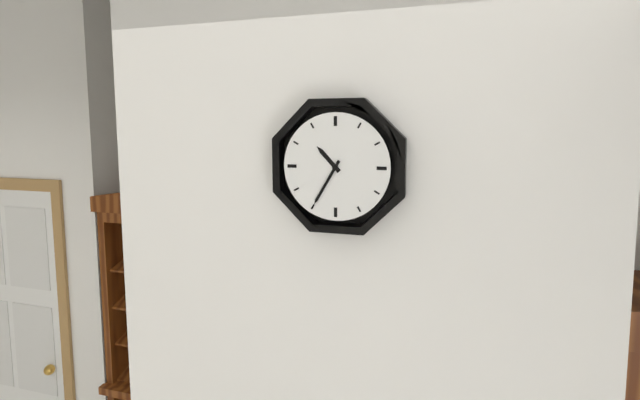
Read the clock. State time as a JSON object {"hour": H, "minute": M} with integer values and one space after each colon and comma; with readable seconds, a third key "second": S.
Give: {"hour": 10, "minute": 35}
